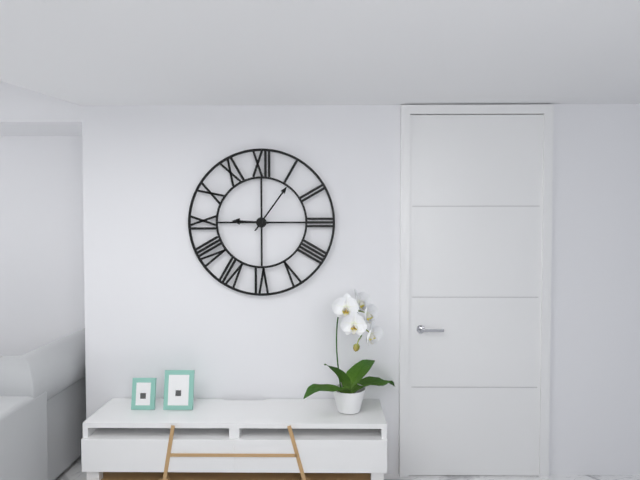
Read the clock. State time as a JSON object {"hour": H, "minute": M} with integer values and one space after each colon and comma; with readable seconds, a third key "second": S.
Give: {"hour": 9, "minute": 6}
